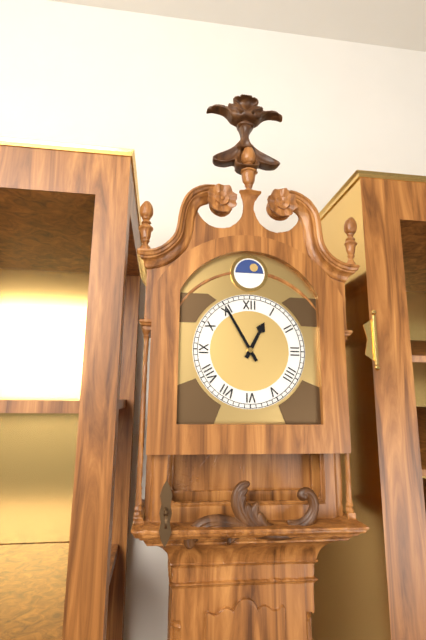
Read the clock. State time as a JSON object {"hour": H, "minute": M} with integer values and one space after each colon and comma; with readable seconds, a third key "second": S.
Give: {"hour": 12, "minute": 55}
